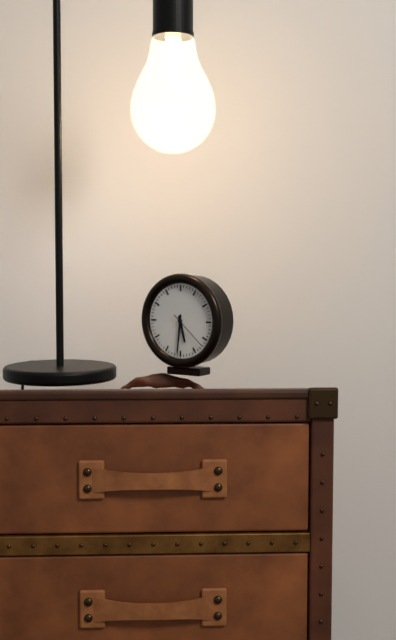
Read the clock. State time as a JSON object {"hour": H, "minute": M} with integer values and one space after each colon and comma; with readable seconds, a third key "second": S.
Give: {"hour": 5, "minute": 31}
